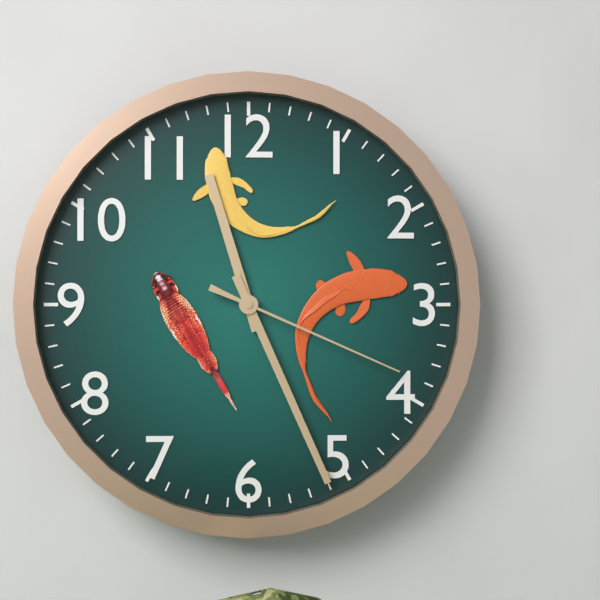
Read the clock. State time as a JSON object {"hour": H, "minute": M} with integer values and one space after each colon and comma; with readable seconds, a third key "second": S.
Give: {"hour": 11, "minute": 26, "second": 19}
